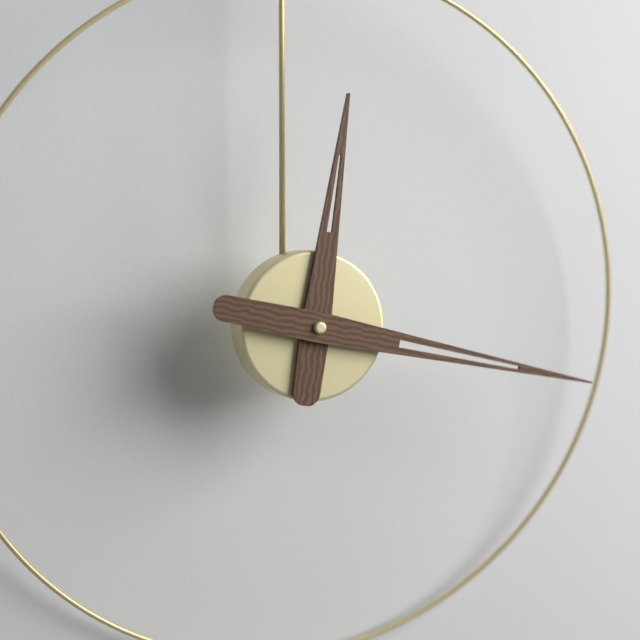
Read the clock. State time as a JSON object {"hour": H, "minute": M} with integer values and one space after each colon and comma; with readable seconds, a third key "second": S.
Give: {"hour": 12, "minute": 17}
